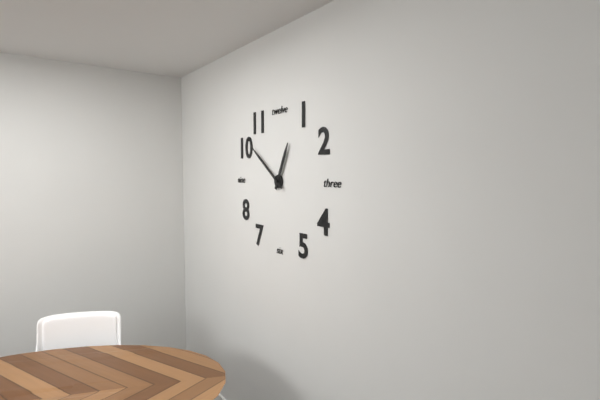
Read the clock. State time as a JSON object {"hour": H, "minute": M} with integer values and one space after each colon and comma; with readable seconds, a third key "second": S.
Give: {"hour": 12, "minute": 51}
